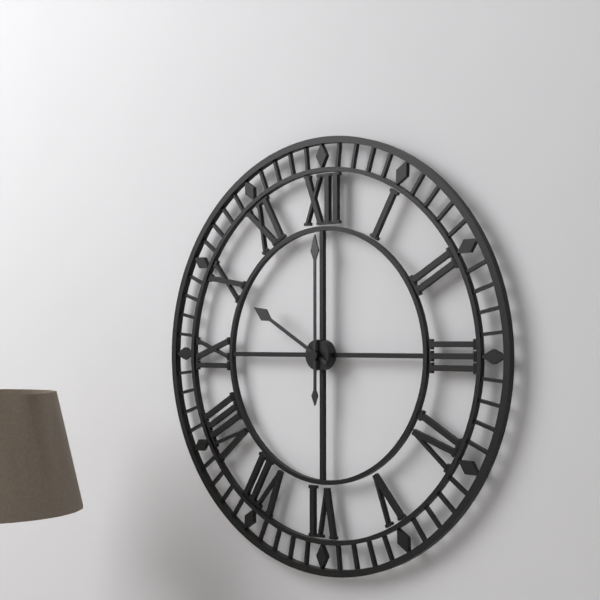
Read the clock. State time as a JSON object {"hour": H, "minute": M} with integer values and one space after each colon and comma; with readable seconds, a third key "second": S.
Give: {"hour": 10, "minute": 0}
